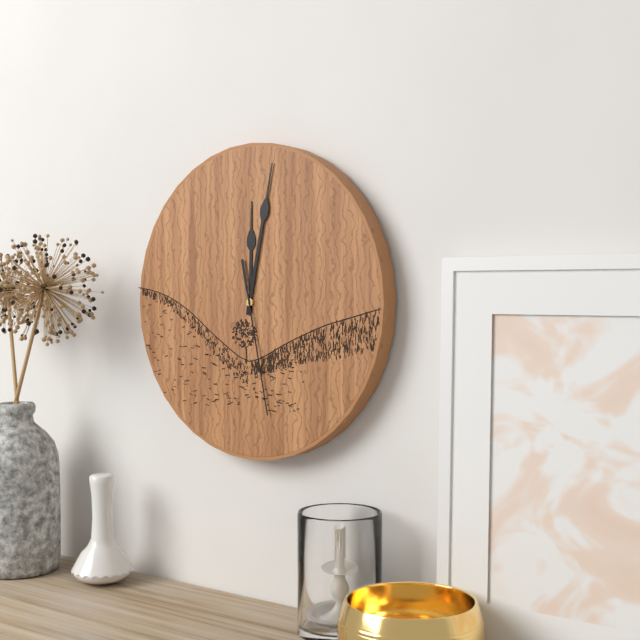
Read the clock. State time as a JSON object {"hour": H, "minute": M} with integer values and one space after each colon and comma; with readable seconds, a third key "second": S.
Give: {"hour": 12, "minute": 2, "second": 28}
